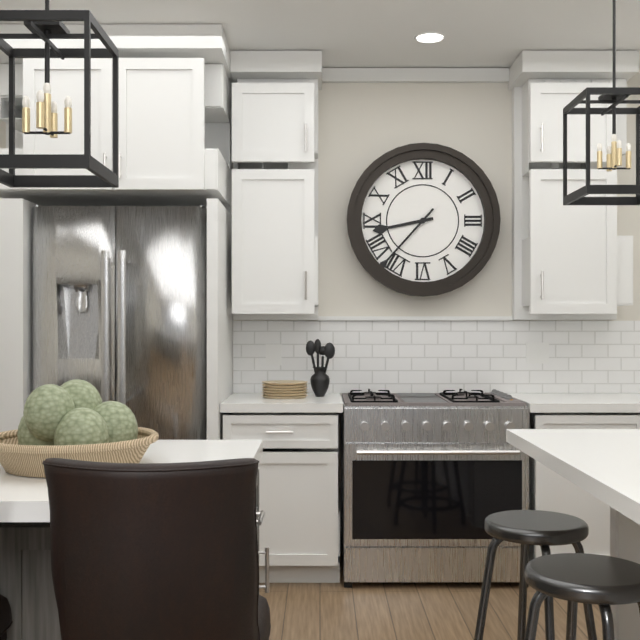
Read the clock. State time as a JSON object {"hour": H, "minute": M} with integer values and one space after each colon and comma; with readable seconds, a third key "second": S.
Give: {"hour": 8, "minute": 37}
